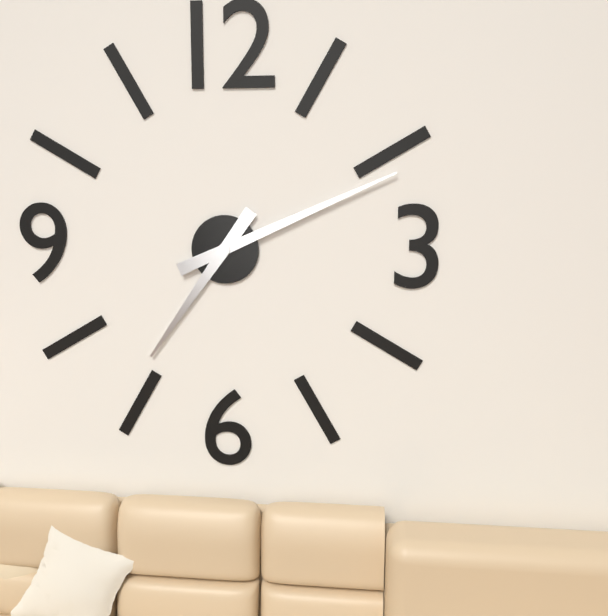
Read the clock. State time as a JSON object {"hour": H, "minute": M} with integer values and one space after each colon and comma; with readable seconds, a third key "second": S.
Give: {"hour": 7, "minute": 11}
